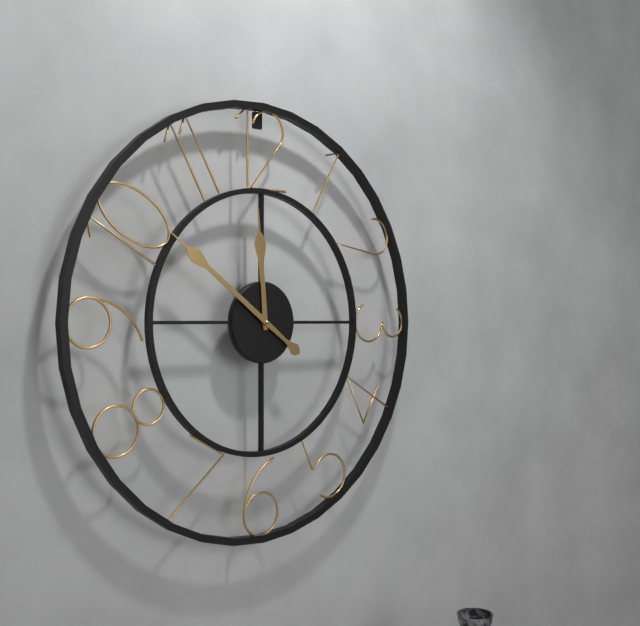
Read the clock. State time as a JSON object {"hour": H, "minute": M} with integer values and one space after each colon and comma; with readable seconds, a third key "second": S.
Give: {"hour": 11, "minute": 51}
